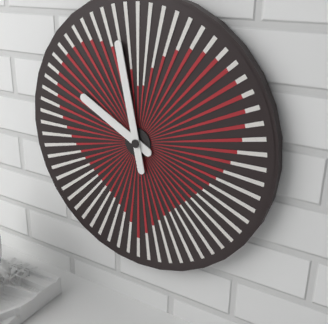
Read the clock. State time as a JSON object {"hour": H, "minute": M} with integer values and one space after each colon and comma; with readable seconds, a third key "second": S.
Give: {"hour": 9, "minute": 58}
